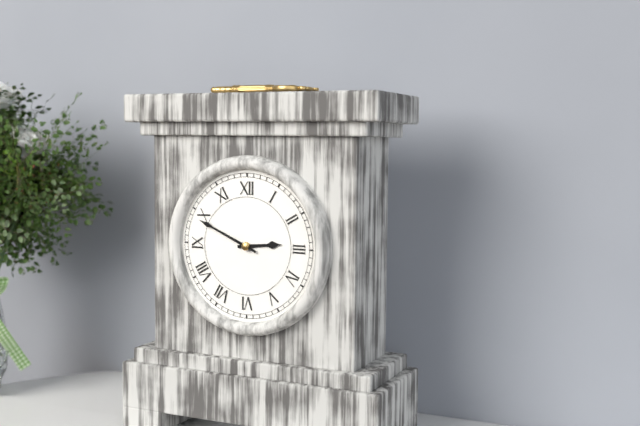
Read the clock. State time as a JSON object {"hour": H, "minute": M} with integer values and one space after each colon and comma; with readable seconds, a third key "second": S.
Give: {"hour": 2, "minute": 49}
